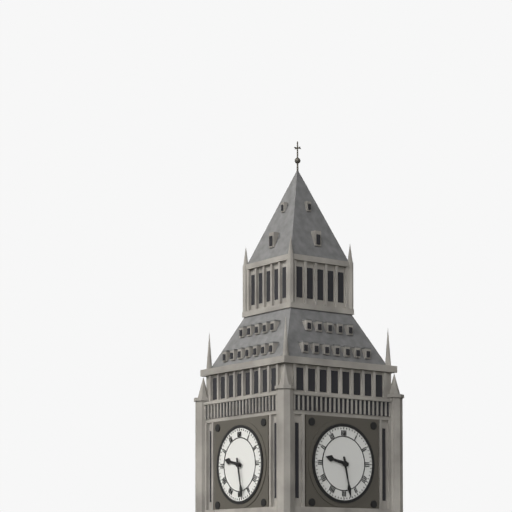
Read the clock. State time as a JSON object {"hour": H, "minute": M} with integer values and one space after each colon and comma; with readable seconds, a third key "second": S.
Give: {"hour": 9, "minute": 28}
